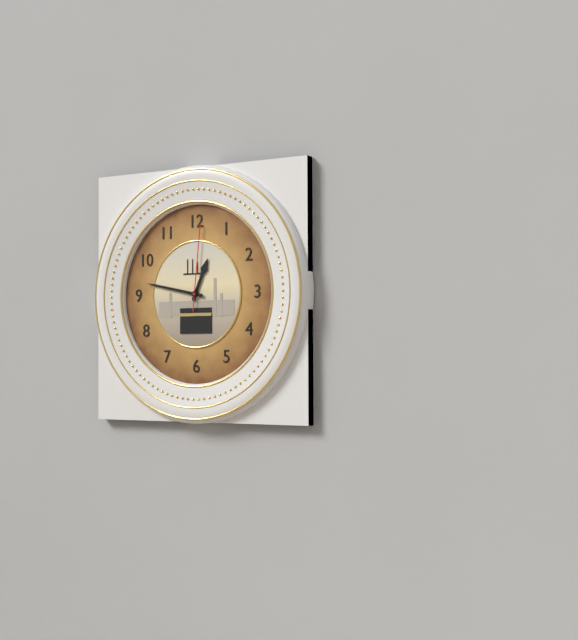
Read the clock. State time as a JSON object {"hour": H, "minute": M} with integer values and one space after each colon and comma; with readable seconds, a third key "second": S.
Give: {"hour": 12, "minute": 47, "second": 1}
